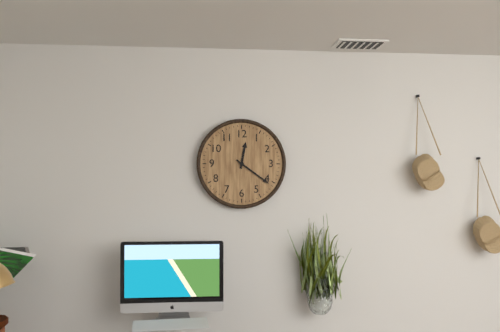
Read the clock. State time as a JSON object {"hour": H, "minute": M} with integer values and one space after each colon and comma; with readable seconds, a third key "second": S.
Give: {"hour": 12, "minute": 21}
